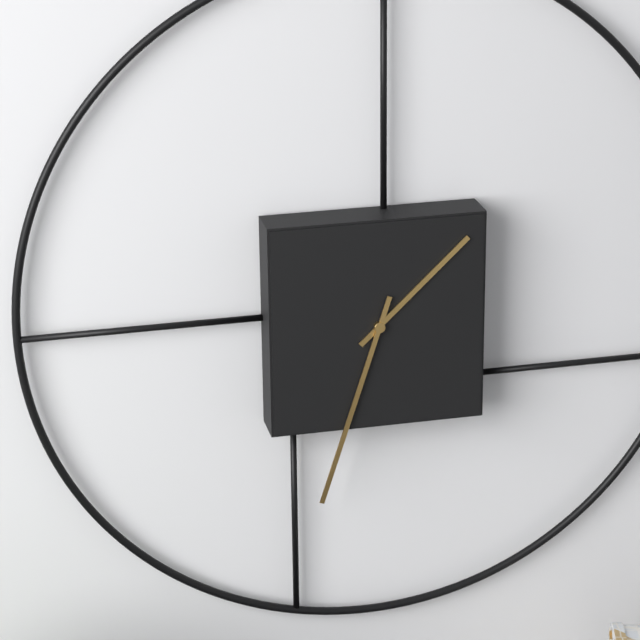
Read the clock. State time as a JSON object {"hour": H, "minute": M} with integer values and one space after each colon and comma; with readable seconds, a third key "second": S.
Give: {"hour": 1, "minute": 33}
